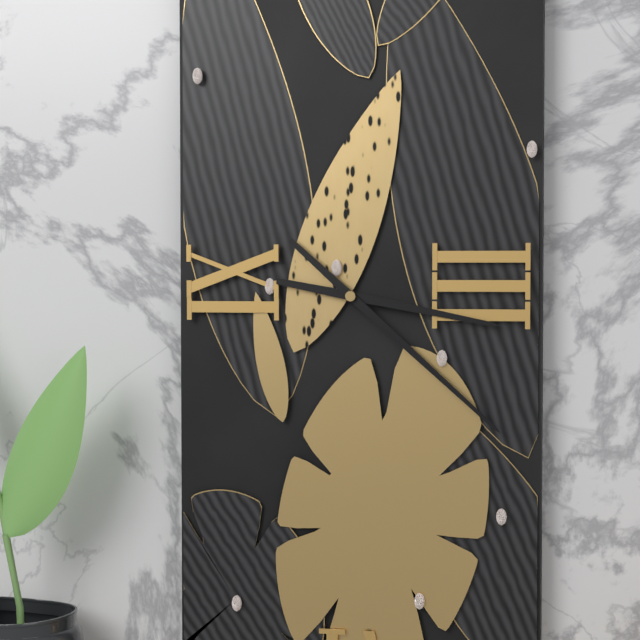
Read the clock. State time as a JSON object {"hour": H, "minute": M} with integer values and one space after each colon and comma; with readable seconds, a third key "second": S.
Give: {"hour": 3, "minute": 22}
